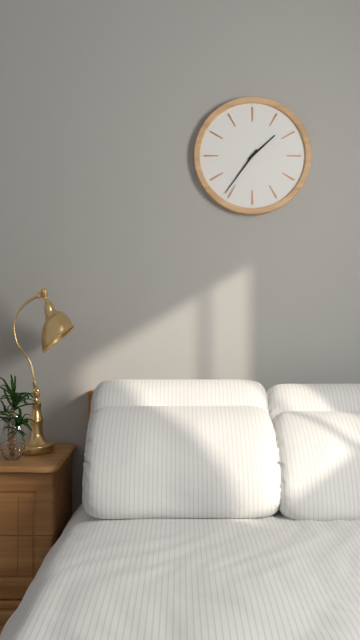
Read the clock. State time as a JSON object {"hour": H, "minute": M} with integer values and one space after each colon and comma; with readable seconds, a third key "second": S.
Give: {"hour": 1, "minute": 36}
